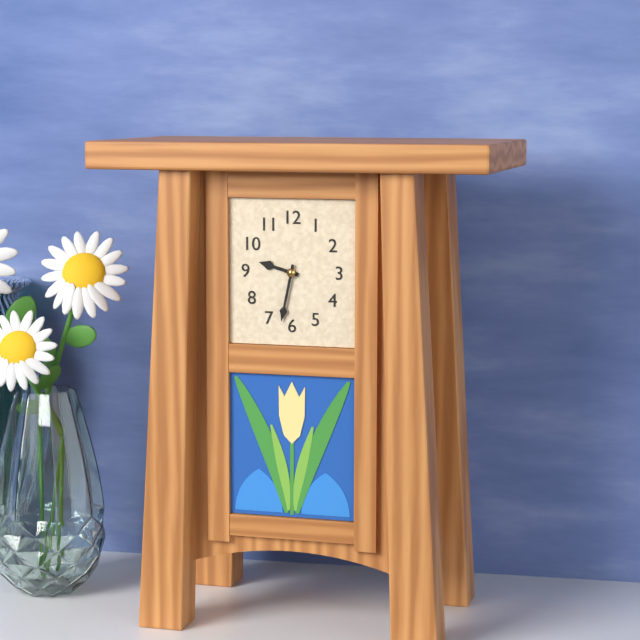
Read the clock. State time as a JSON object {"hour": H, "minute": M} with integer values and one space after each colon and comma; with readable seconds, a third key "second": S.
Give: {"hour": 9, "minute": 32}
